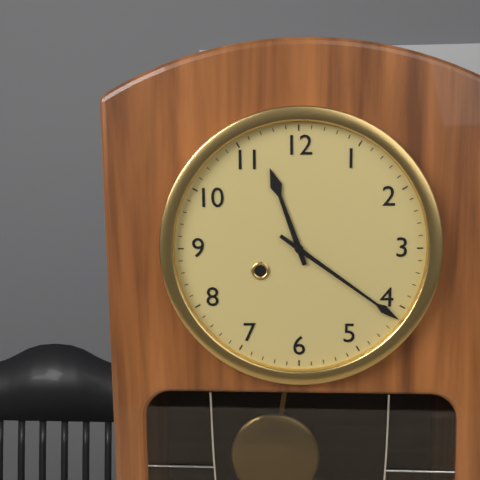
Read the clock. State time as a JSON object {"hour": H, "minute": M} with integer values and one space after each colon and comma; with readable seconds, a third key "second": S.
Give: {"hour": 11, "minute": 21}
